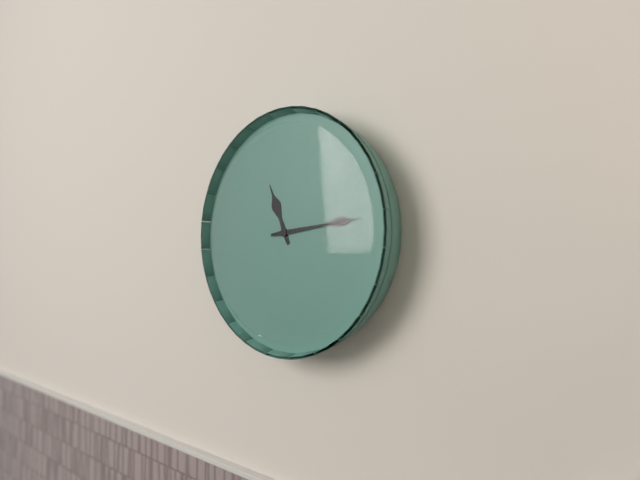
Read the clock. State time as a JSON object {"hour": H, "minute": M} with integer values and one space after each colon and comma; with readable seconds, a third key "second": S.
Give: {"hour": 11, "minute": 14}
